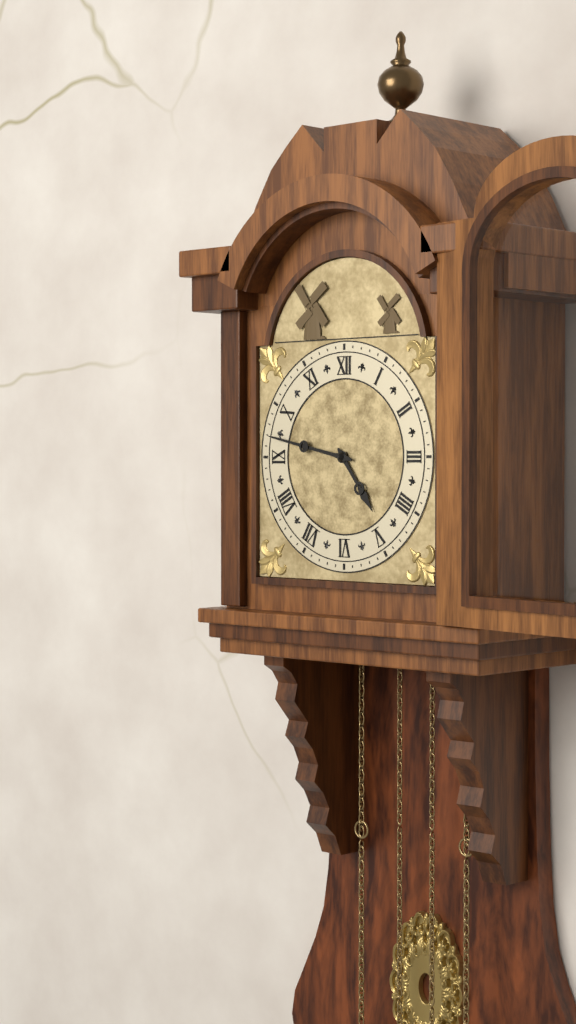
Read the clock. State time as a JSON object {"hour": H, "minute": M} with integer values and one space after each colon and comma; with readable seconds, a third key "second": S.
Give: {"hour": 4, "minute": 47}
